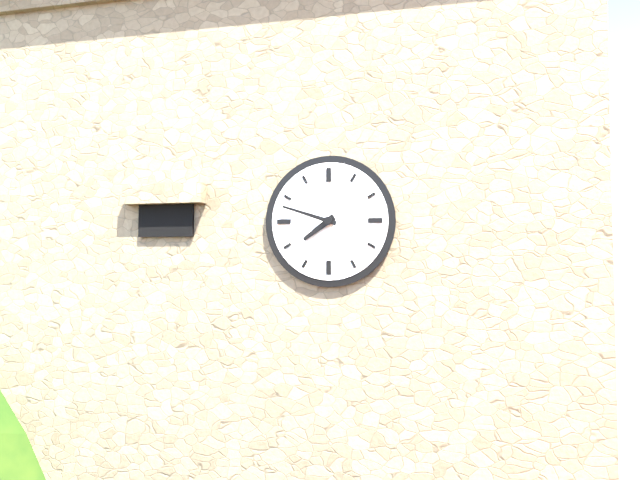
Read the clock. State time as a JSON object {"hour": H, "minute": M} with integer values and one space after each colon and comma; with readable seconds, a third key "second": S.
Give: {"hour": 7, "minute": 48}
